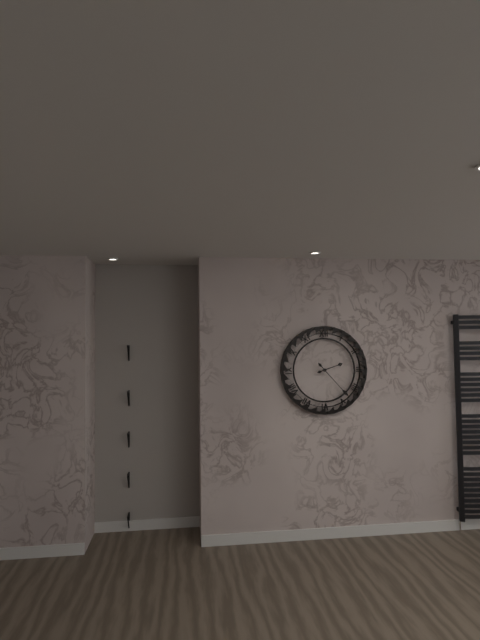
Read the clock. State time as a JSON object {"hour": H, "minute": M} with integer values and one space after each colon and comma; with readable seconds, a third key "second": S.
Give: {"hour": 2, "minute": 23}
